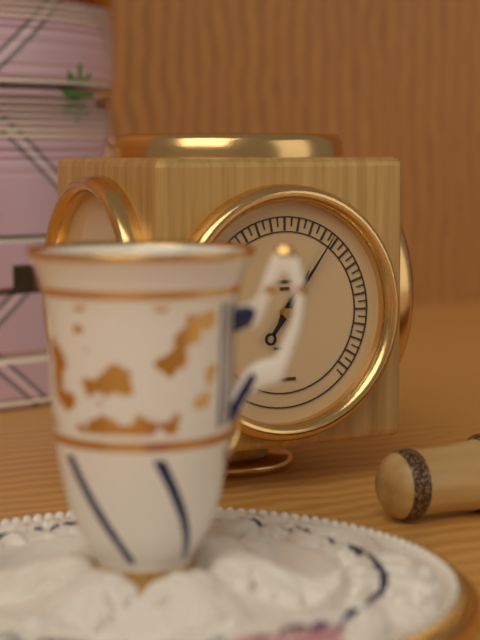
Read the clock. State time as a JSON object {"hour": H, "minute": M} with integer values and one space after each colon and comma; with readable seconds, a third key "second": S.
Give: {"hour": 1, "minute": 6}
